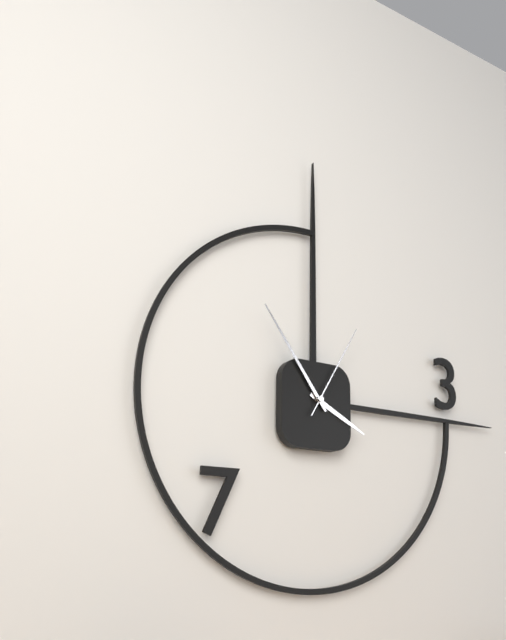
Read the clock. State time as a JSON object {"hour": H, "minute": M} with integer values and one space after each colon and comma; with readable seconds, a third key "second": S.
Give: {"hour": 3, "minute": 54, "second": 5}
